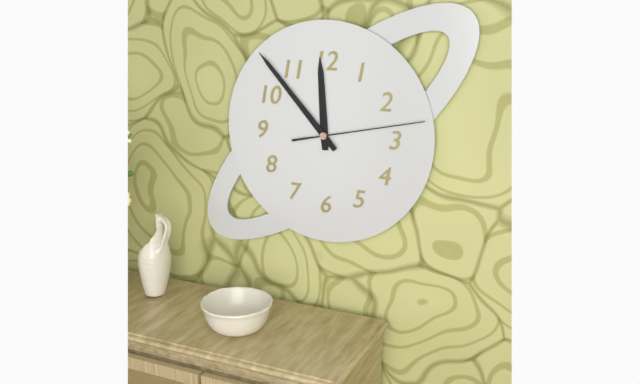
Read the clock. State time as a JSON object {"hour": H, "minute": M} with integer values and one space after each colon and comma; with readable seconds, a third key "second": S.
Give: {"hour": 11, "minute": 53, "second": 13}
